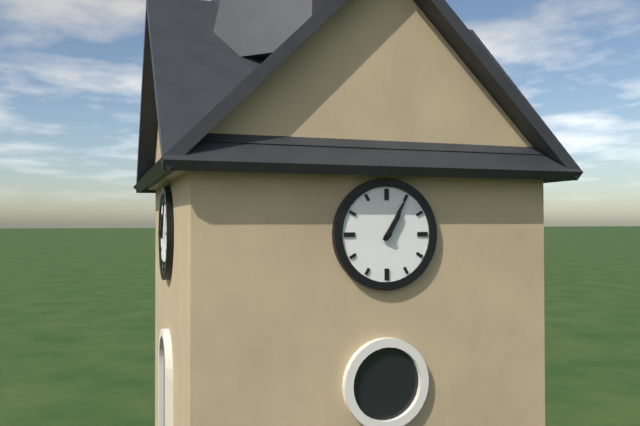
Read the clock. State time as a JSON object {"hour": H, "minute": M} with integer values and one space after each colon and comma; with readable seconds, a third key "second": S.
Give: {"hour": 1, "minute": 5}
